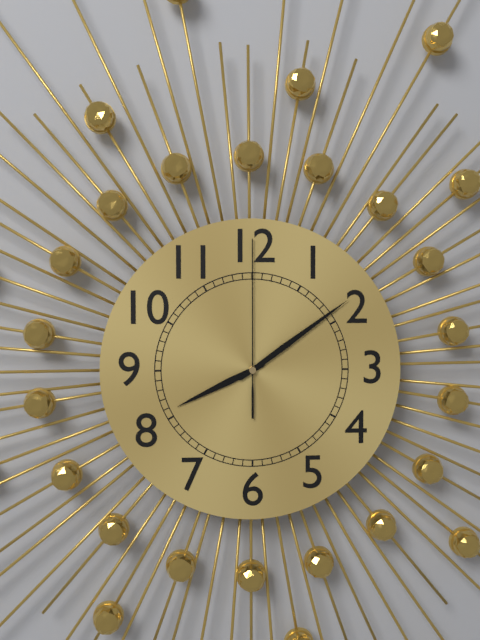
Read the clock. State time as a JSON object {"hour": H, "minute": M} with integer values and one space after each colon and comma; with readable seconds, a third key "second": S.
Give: {"hour": 8, "minute": 9, "second": 0}
